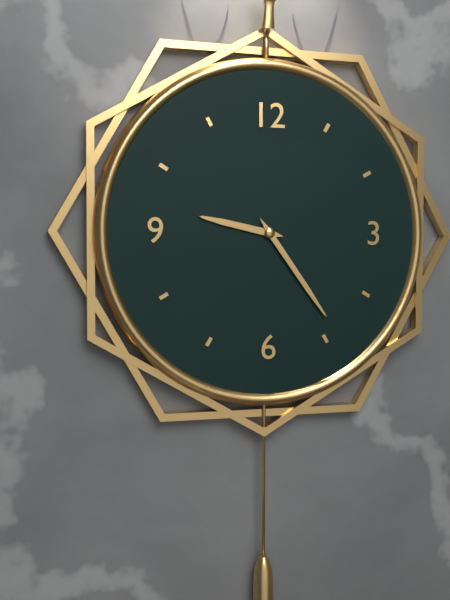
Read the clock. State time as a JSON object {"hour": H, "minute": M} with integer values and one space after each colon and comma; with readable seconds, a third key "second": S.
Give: {"hour": 9, "minute": 24}
